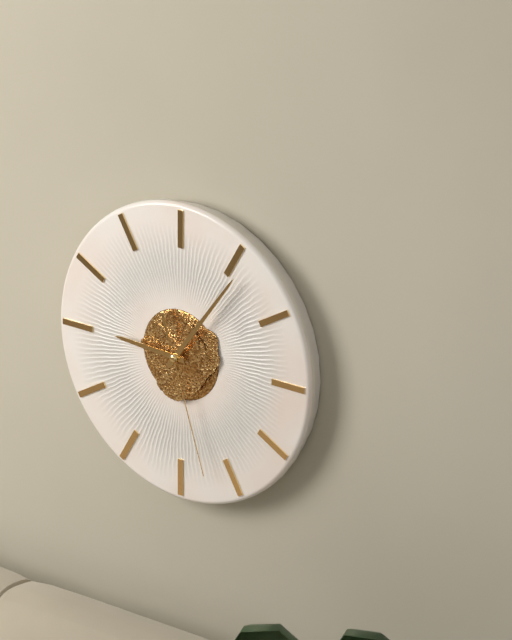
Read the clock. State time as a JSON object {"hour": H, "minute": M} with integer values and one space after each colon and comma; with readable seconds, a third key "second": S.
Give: {"hour": 9, "minute": 6, "second": 27}
